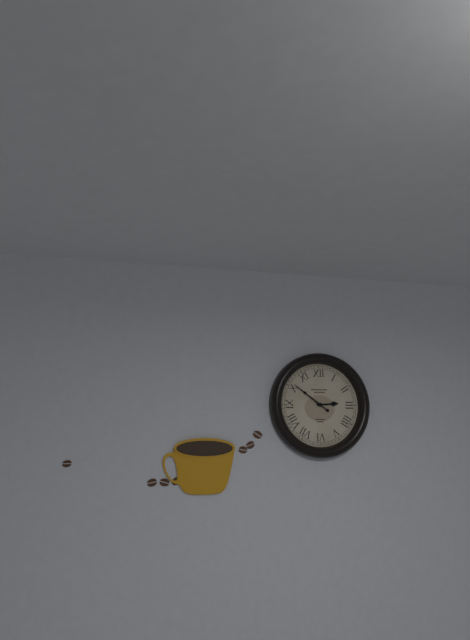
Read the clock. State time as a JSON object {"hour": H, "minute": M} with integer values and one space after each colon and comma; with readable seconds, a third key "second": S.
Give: {"hour": 2, "minute": 51}
